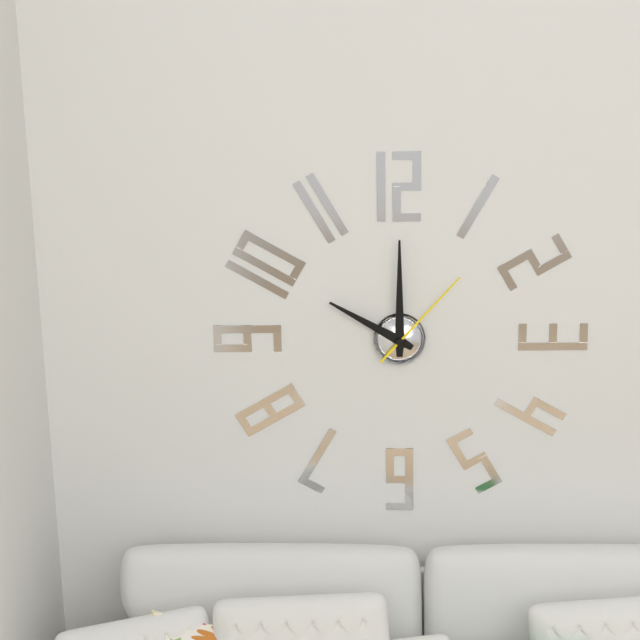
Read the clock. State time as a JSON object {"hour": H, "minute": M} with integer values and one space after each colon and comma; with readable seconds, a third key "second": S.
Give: {"hour": 10, "minute": 0, "second": 7}
